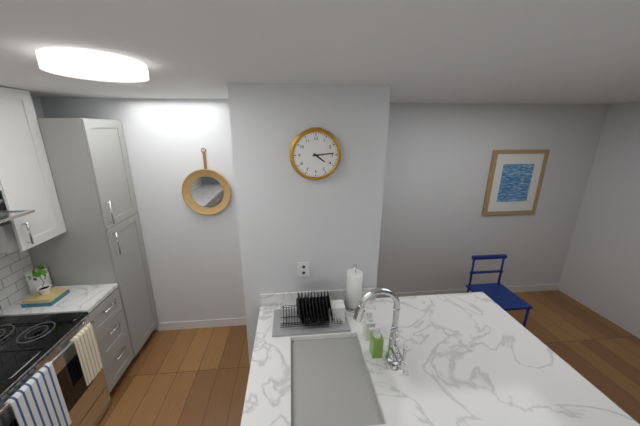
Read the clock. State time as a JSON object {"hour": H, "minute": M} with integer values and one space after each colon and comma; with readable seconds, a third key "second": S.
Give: {"hour": 4, "minute": 14}
